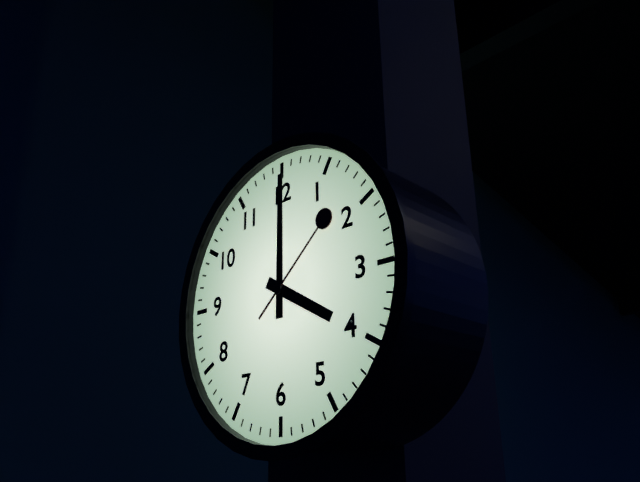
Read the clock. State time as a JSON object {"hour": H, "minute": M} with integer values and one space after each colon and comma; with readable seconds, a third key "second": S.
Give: {"hour": 4, "minute": 0, "second": 8}
